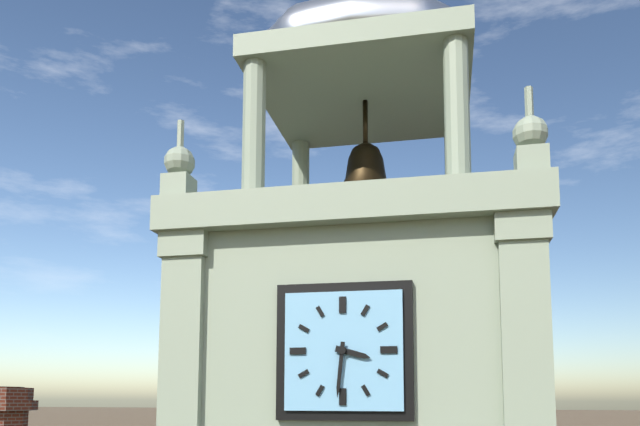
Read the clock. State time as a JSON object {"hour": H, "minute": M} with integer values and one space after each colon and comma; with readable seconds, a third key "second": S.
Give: {"hour": 3, "minute": 31}
